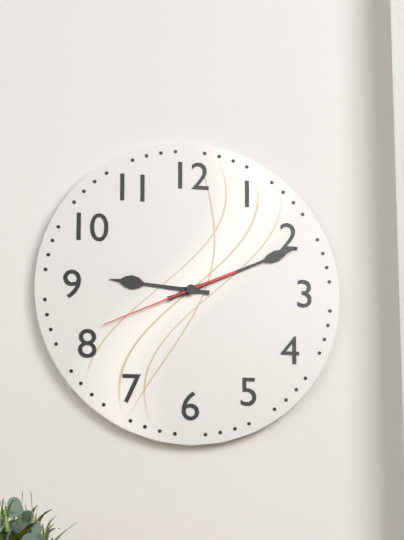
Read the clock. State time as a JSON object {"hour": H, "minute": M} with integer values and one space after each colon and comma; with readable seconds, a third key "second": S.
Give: {"hour": 9, "minute": 11, "second": 41}
